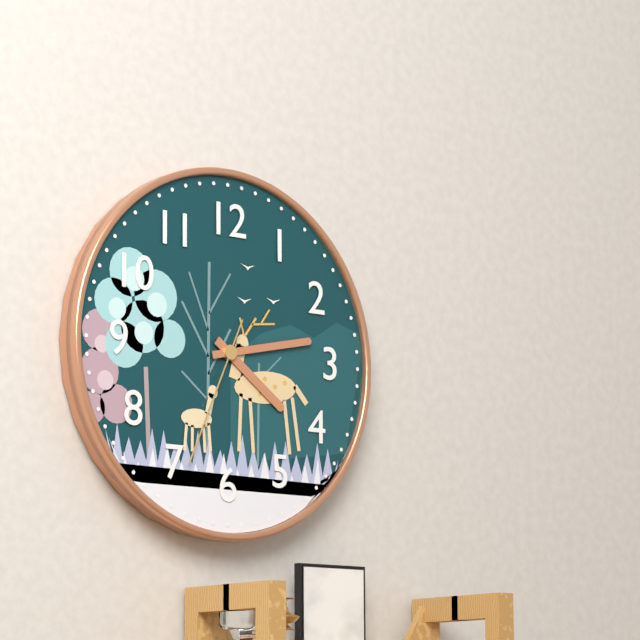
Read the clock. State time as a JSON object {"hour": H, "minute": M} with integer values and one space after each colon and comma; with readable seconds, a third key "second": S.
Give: {"hour": 4, "minute": 13, "second": 34}
